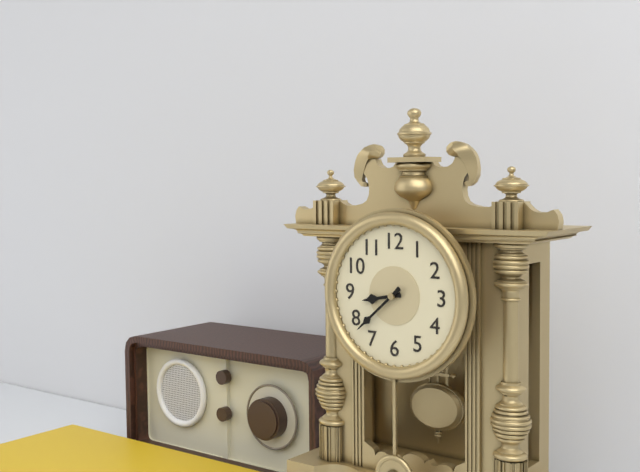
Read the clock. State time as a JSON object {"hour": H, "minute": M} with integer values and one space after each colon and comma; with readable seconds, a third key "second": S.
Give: {"hour": 8, "minute": 38}
